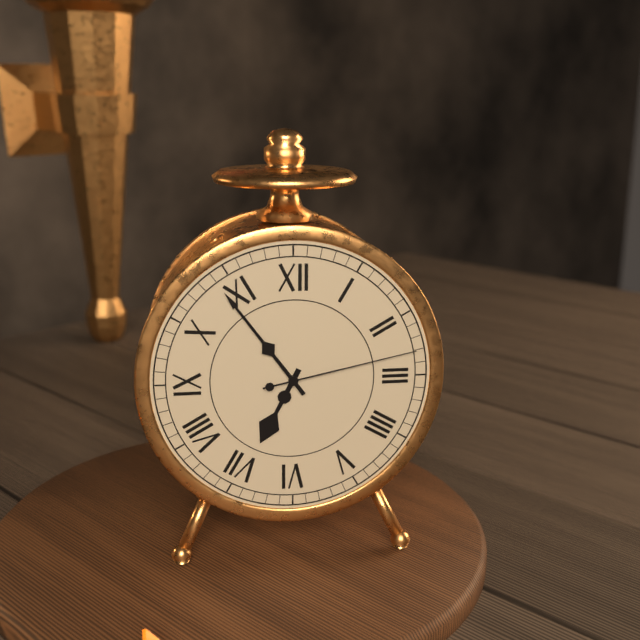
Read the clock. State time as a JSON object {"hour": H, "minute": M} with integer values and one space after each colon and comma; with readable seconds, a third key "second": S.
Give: {"hour": 6, "minute": 54, "second": 13}
